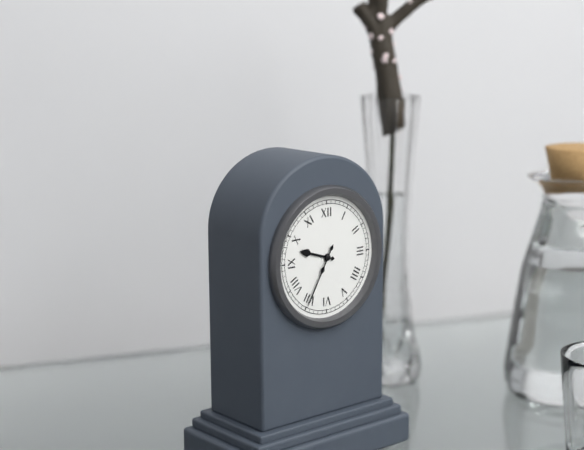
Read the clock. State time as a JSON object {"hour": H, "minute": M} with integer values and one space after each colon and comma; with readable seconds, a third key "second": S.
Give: {"hour": 9, "minute": 35}
